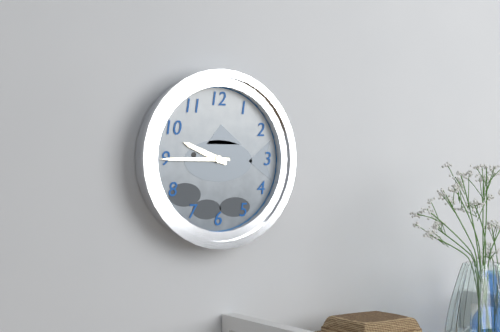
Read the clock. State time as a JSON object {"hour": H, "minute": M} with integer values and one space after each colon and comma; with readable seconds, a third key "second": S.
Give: {"hour": 9, "minute": 45}
